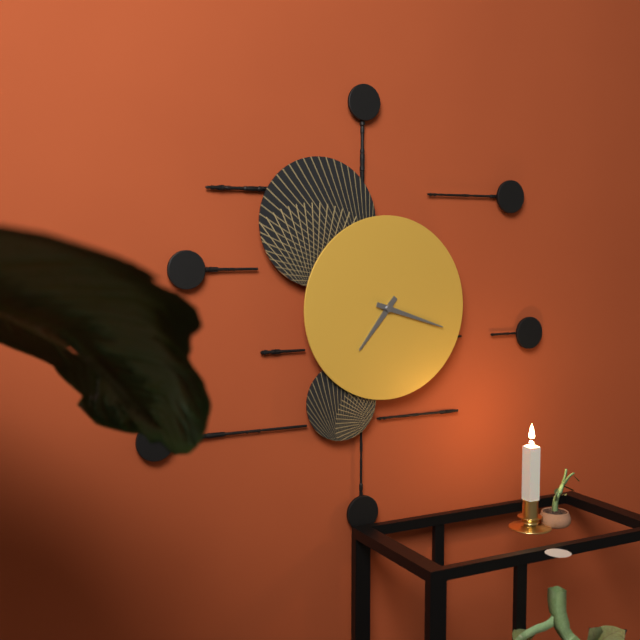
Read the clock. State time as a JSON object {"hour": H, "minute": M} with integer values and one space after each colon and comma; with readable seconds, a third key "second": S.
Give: {"hour": 7, "minute": 18}
